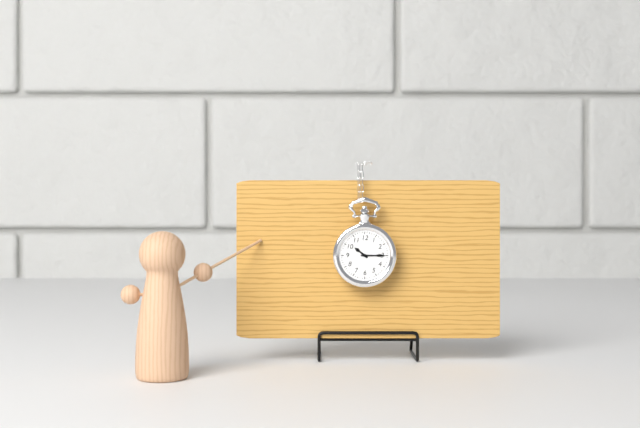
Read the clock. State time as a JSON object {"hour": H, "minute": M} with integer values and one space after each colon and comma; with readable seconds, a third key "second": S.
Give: {"hour": 10, "minute": 15}
